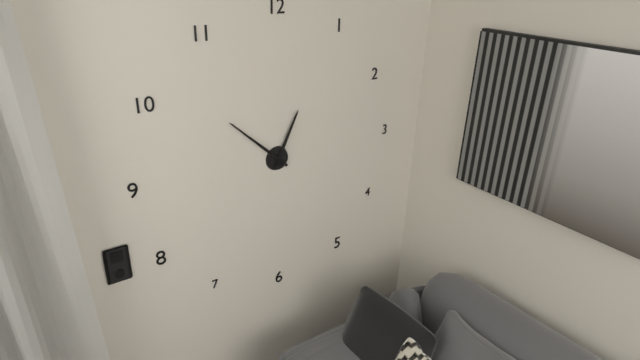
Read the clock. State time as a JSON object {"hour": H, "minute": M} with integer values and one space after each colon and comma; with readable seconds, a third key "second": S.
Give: {"hour": 12, "minute": 52}
